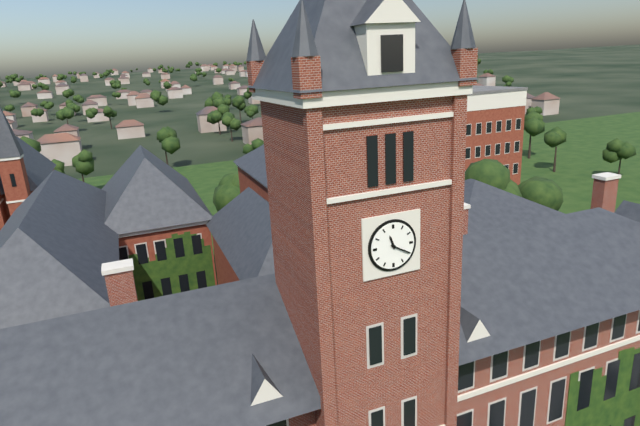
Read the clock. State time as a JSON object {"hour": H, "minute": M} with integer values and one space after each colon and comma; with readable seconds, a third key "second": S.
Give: {"hour": 11, "minute": 20}
